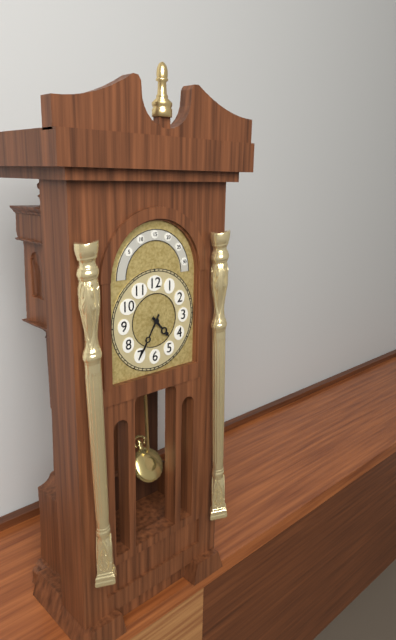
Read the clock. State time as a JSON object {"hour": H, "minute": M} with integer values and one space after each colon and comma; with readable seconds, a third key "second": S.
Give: {"hour": 4, "minute": 35}
